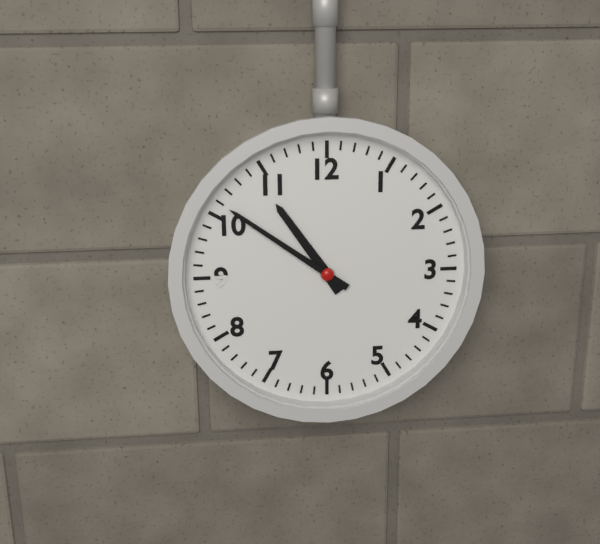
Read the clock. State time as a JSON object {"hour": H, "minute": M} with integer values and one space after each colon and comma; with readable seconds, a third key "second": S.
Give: {"hour": 10, "minute": 51}
